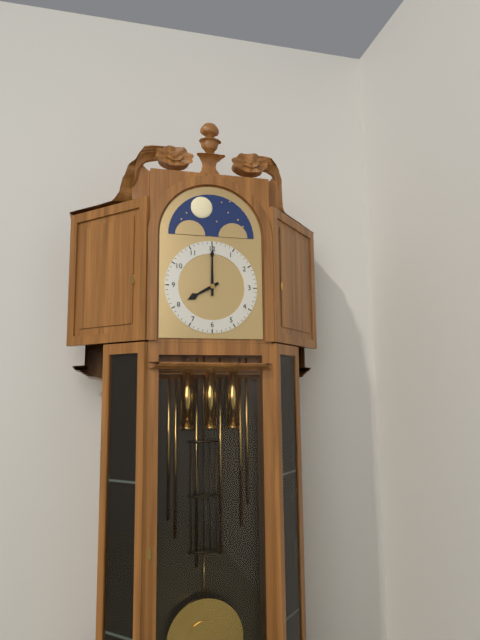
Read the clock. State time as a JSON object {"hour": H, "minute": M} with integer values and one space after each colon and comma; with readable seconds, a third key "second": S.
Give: {"hour": 8, "minute": 0}
